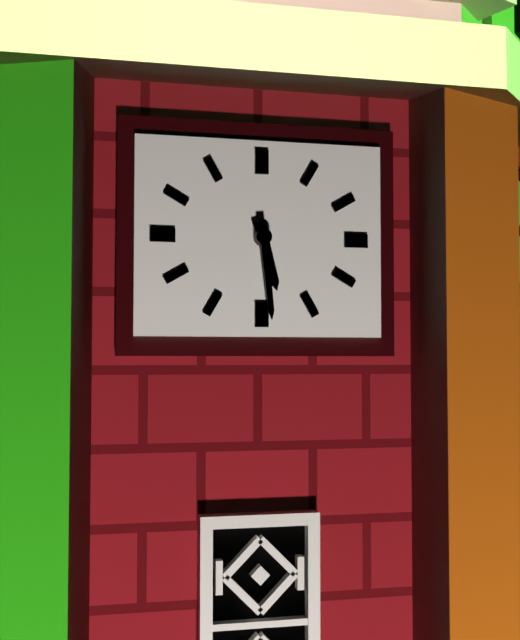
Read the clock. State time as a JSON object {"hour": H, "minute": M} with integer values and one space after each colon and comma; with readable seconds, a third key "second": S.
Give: {"hour": 5, "minute": 29}
